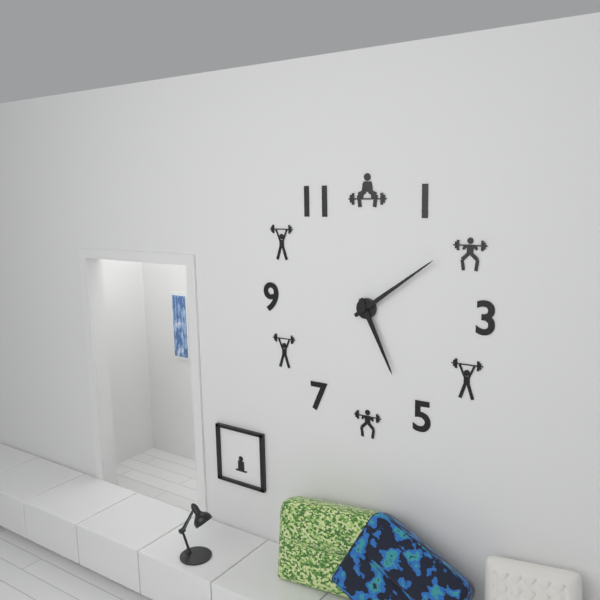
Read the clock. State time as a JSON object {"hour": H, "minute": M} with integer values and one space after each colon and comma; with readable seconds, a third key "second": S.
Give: {"hour": 5, "minute": 9}
